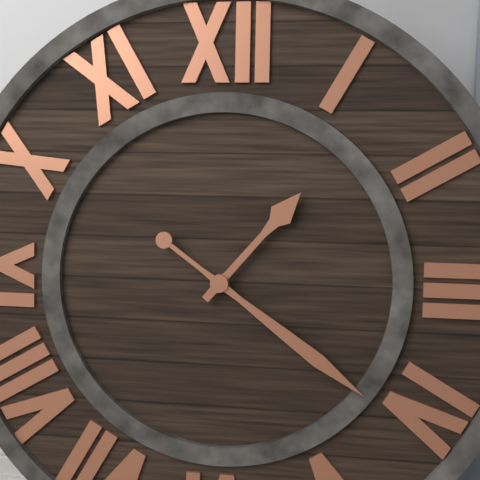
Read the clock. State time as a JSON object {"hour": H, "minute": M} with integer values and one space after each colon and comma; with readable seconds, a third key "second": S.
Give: {"hour": 1, "minute": 21}
